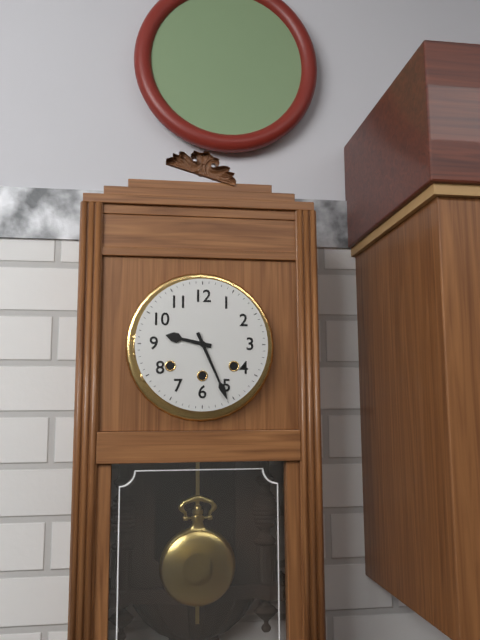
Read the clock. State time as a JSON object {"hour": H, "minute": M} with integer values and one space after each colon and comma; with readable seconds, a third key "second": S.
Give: {"hour": 9, "minute": 26}
